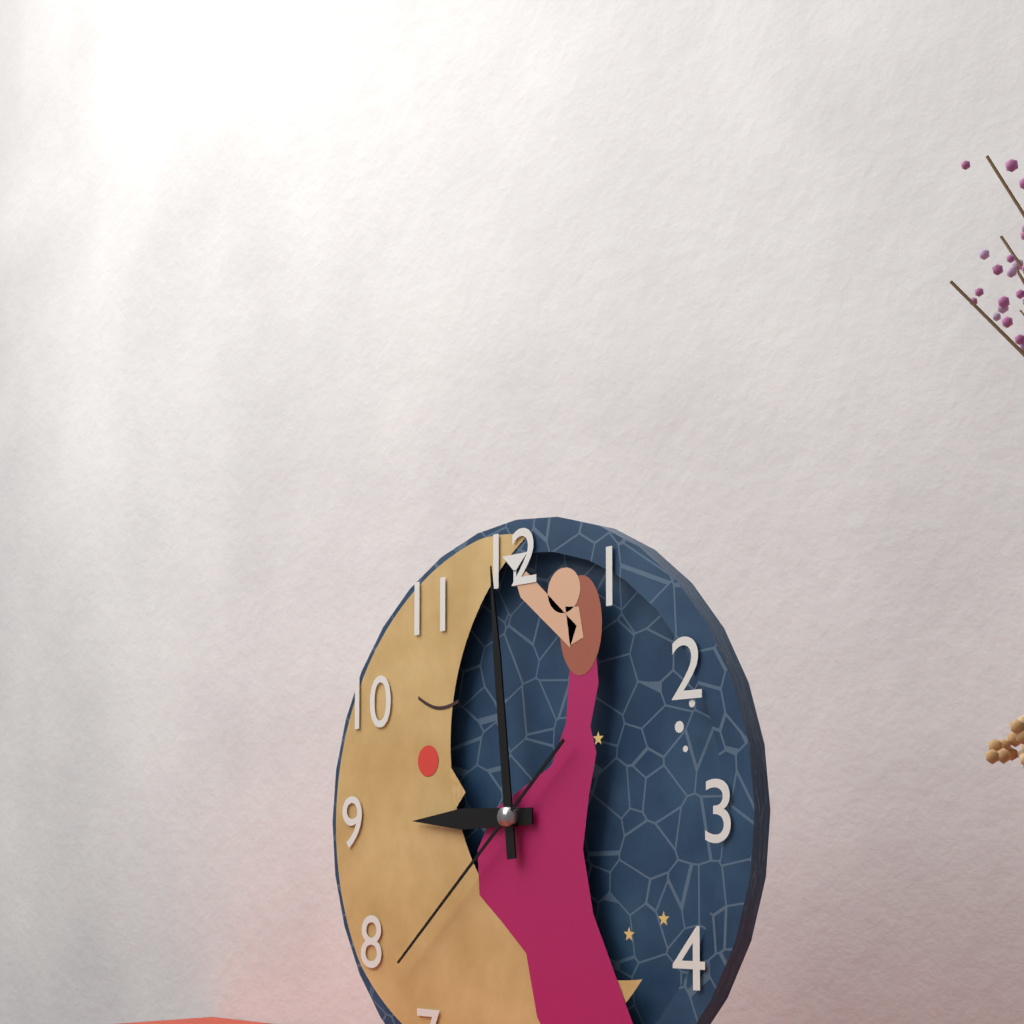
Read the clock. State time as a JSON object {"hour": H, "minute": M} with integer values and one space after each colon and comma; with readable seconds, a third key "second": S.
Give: {"hour": 8, "minute": 59, "second": 38}
